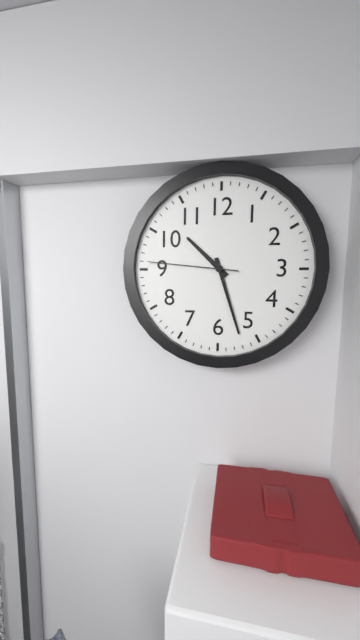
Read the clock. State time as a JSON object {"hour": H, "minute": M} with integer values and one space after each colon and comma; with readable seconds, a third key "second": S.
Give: {"hour": 10, "minute": 27, "second": 46}
